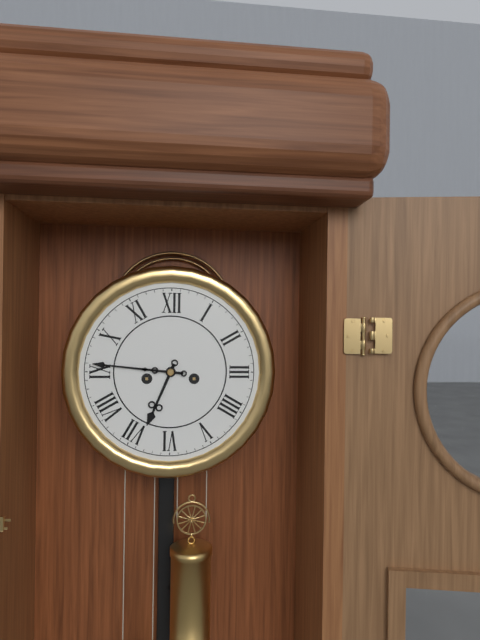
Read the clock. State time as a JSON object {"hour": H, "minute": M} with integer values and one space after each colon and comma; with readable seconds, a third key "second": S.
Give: {"hour": 6, "minute": 46}
